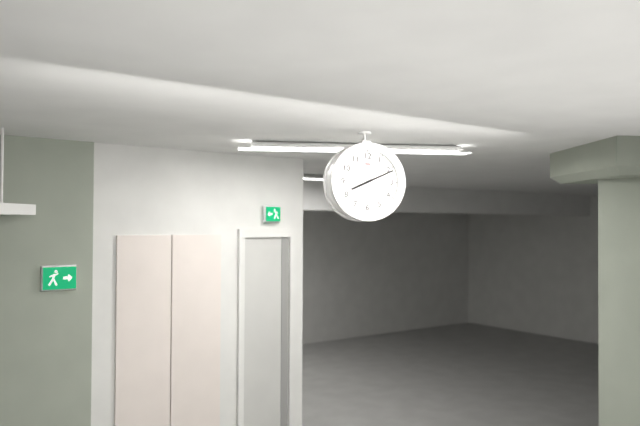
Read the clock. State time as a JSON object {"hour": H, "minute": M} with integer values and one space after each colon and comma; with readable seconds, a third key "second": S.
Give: {"hour": 8, "minute": 11}
